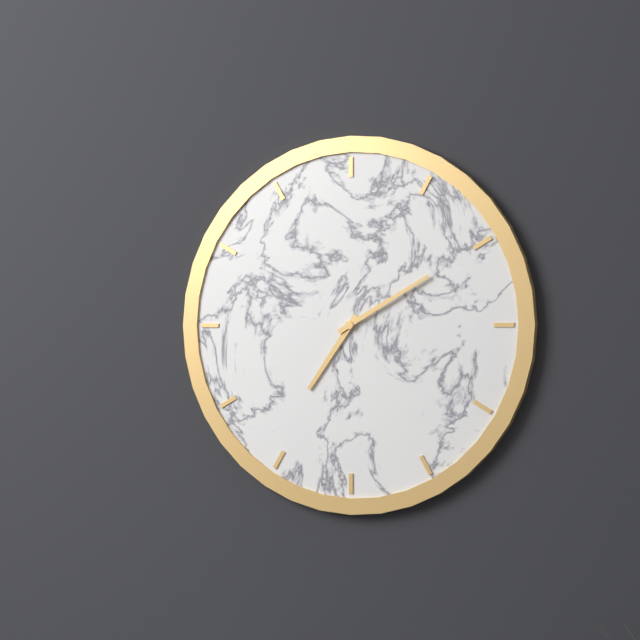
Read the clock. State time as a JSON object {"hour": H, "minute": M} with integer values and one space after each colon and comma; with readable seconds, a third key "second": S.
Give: {"hour": 7, "minute": 10}
